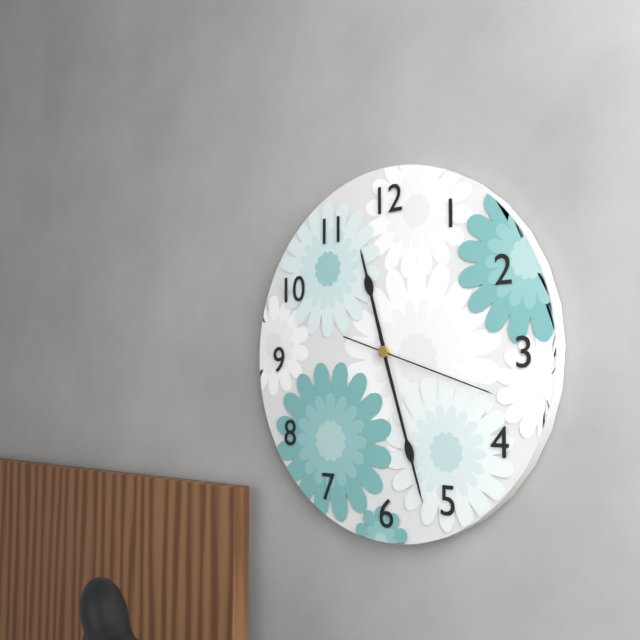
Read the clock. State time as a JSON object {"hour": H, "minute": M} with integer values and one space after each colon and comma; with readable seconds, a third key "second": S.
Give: {"hour": 11, "minute": 27, "second": 18}
